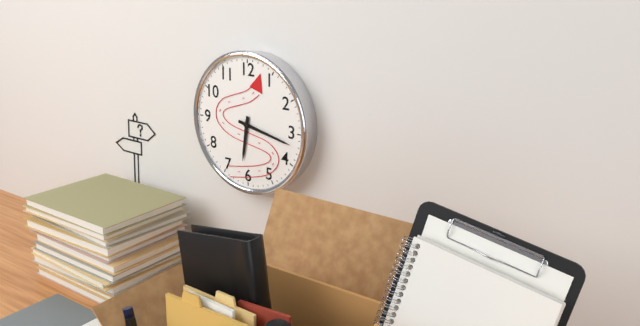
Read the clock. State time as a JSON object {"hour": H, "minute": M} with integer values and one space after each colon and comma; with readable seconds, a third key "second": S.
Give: {"hour": 6, "minute": 17}
